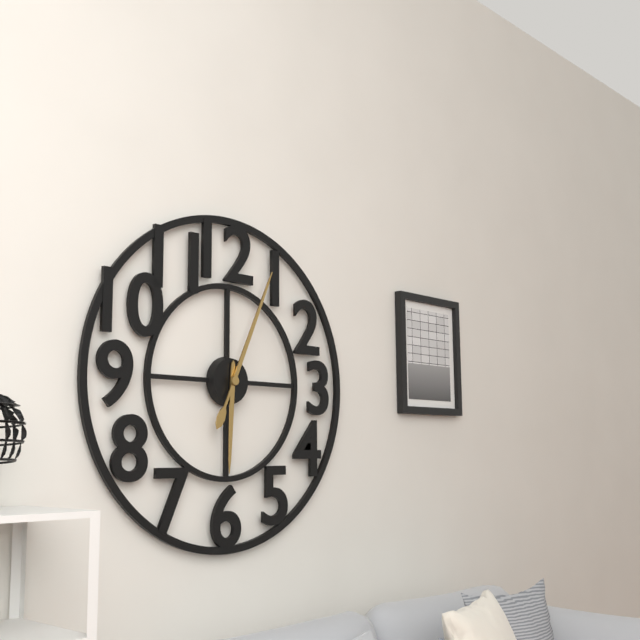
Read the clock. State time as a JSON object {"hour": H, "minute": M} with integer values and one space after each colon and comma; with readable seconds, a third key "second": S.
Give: {"hour": 6, "minute": 4}
